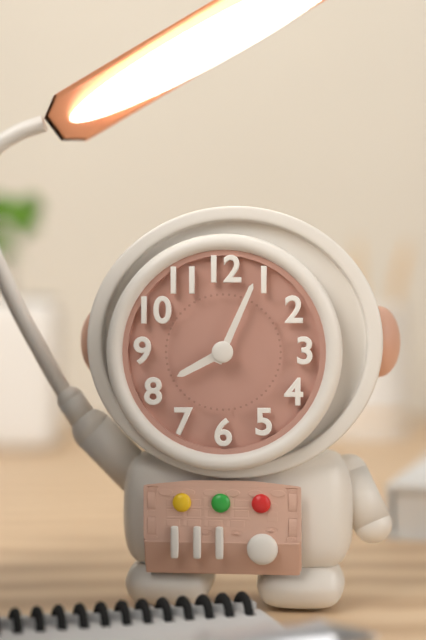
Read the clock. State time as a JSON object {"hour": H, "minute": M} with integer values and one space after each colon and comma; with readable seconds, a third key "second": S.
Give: {"hour": 8, "minute": 4}
